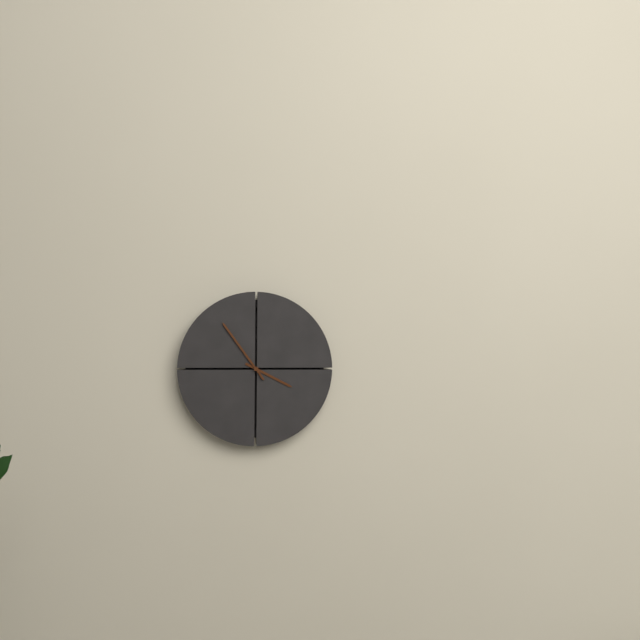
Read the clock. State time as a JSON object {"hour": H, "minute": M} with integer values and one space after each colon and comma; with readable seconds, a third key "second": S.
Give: {"hour": 3, "minute": 54}
